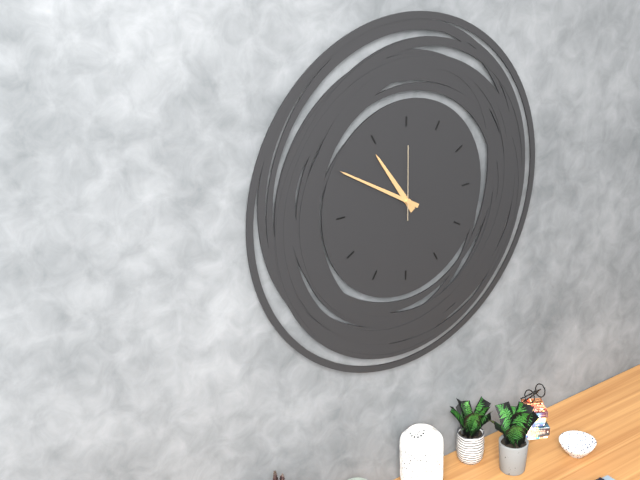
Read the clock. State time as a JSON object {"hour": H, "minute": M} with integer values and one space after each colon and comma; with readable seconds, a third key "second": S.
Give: {"hour": 10, "minute": 50, "second": 0}
